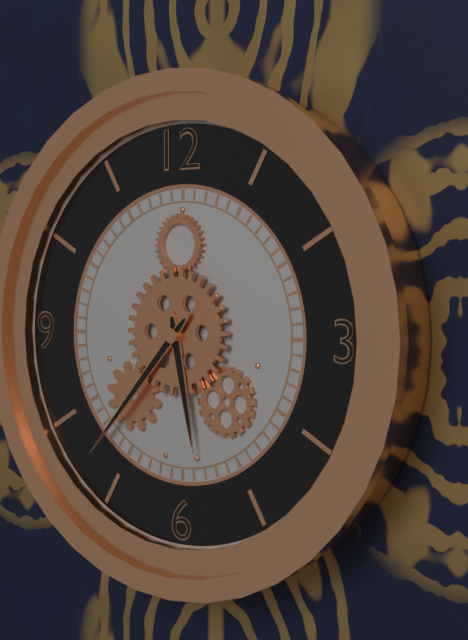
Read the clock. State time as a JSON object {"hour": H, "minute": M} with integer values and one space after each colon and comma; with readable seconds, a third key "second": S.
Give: {"hour": 5, "minute": 37}
